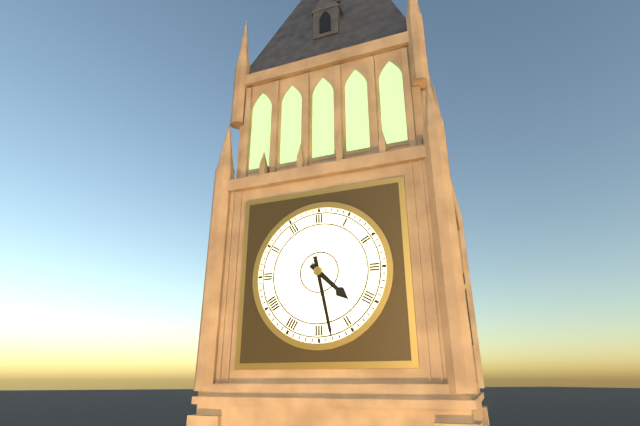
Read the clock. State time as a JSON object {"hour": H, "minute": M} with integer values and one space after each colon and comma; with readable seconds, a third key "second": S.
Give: {"hour": 4, "minute": 28}
